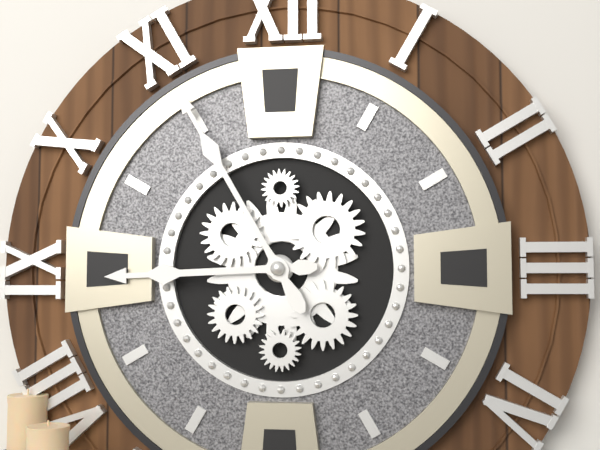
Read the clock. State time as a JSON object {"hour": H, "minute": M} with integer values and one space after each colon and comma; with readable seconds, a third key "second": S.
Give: {"hour": 8, "minute": 55}
